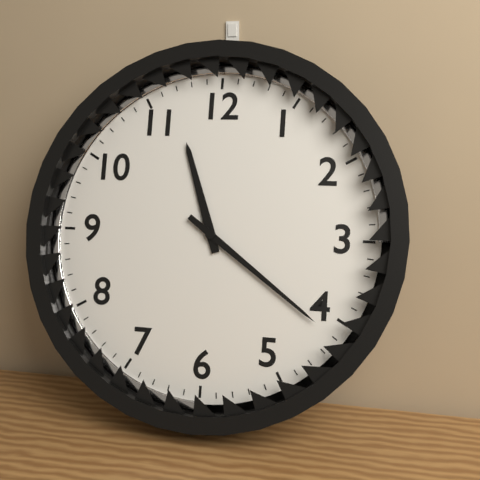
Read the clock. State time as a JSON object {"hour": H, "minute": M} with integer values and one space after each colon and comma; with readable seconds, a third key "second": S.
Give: {"hour": 11, "minute": 21}
